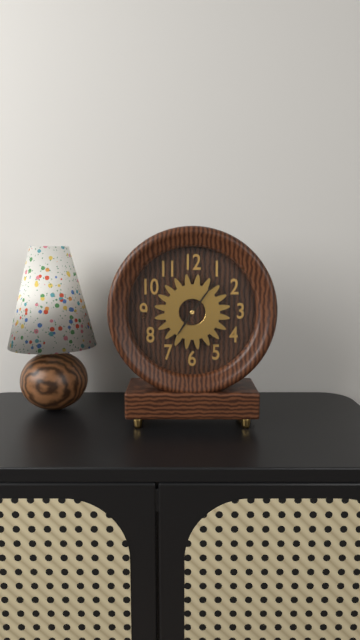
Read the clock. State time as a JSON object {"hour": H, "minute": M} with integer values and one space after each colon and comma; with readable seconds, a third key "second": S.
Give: {"hour": 7, "minute": 6}
